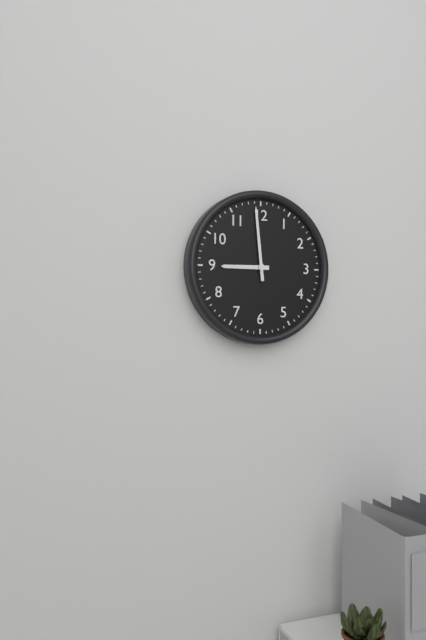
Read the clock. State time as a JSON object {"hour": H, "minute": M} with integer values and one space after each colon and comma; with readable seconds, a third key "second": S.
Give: {"hour": 8, "minute": 59}
